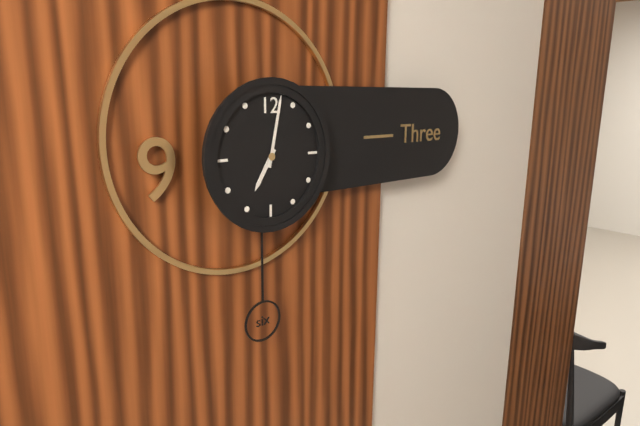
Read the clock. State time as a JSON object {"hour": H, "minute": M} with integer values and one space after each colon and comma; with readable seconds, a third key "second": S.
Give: {"hour": 7, "minute": 2}
